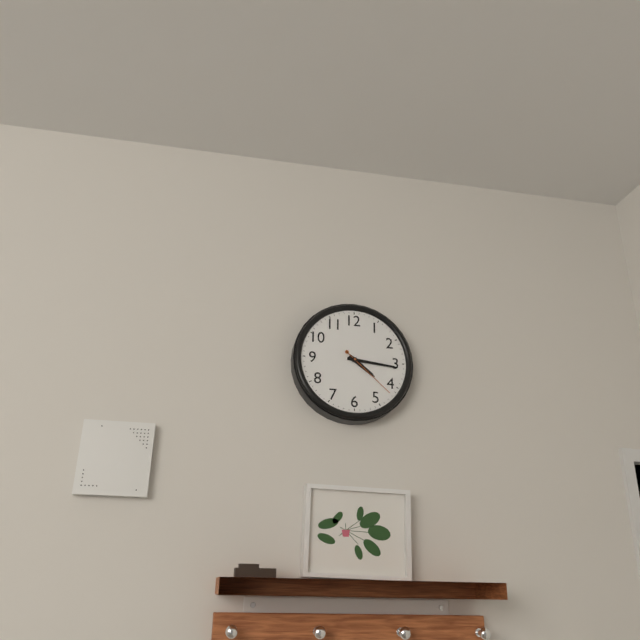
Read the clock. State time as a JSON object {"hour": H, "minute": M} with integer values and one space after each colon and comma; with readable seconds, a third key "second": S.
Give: {"hour": 4, "minute": 16, "second": 22}
